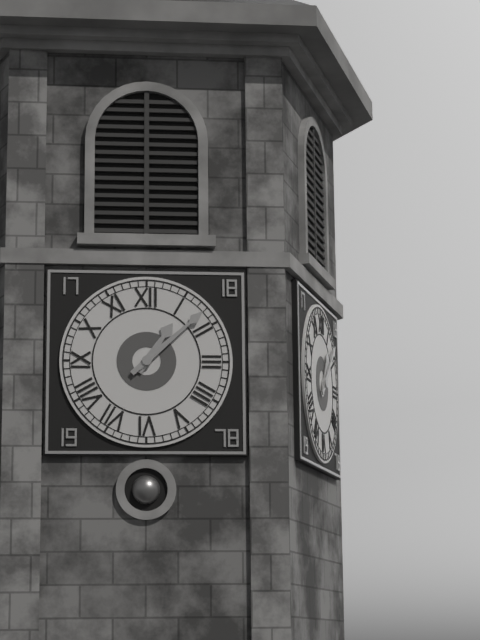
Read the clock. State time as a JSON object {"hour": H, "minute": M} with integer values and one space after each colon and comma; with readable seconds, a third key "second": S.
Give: {"hour": 1, "minute": 8}
